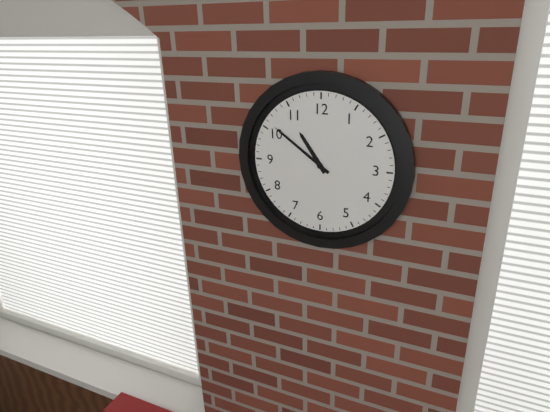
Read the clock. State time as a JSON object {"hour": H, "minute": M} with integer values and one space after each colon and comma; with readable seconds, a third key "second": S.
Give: {"hour": 10, "minute": 51}
